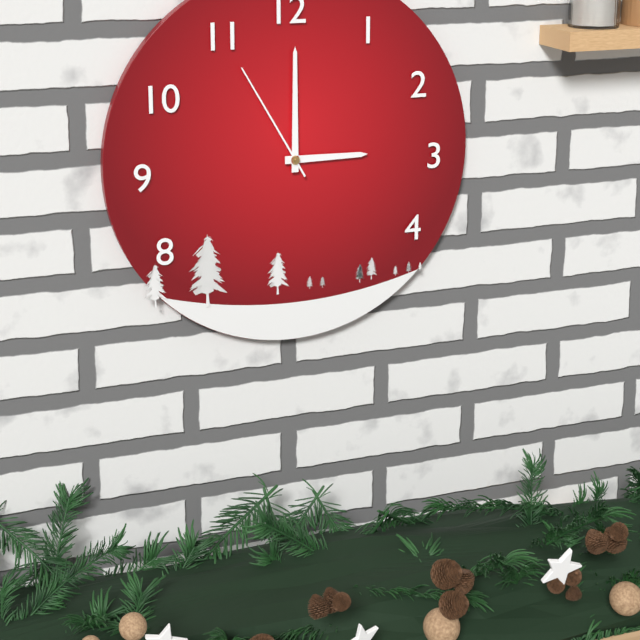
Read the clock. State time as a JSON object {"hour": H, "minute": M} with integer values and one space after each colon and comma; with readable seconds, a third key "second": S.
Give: {"hour": 3, "minute": 0, "second": 55}
